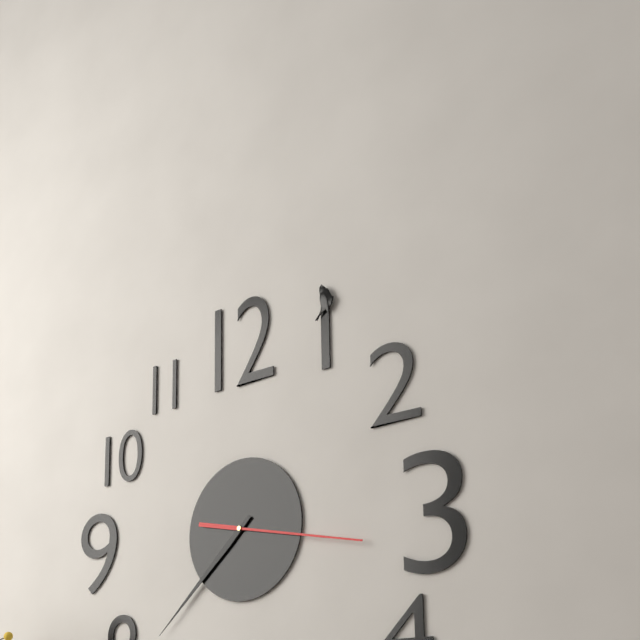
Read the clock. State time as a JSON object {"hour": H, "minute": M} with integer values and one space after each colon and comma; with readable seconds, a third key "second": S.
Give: {"hour": 7, "minute": 38, "second": 17}
